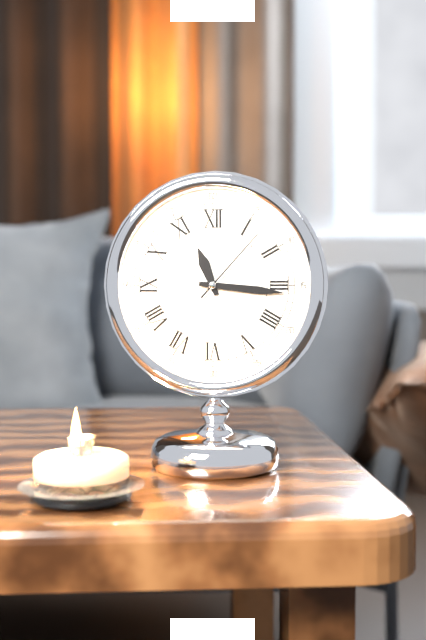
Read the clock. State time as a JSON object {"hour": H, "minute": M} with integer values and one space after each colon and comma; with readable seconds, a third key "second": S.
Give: {"hour": 11, "minute": 16, "second": 7}
